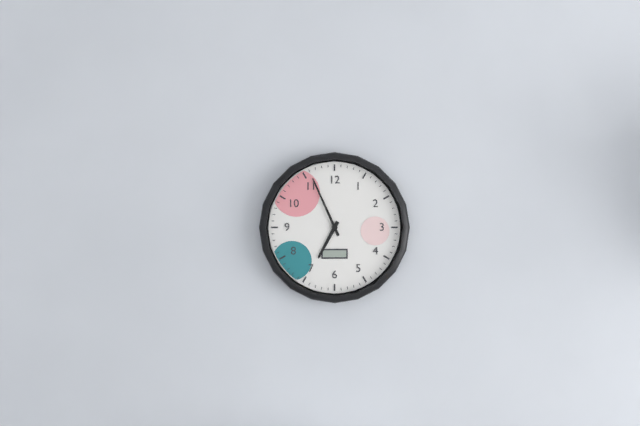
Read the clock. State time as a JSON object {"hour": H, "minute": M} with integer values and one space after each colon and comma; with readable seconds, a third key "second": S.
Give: {"hour": 6, "minute": 56}
